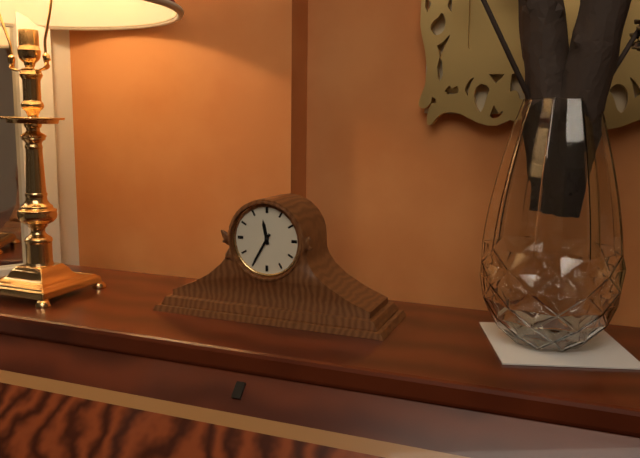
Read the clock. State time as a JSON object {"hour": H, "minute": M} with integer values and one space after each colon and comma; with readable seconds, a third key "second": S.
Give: {"hour": 11, "minute": 35}
